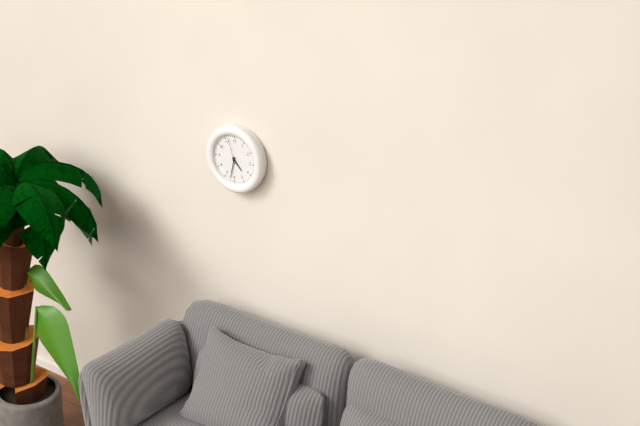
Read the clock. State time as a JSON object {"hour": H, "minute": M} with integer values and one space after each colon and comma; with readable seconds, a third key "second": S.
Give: {"hour": 4, "minute": 32}
